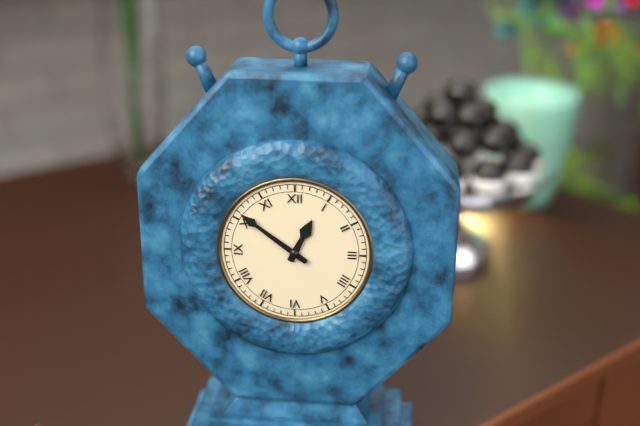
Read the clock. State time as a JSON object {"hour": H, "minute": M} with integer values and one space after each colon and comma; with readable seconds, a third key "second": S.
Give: {"hour": 12, "minute": 51}
